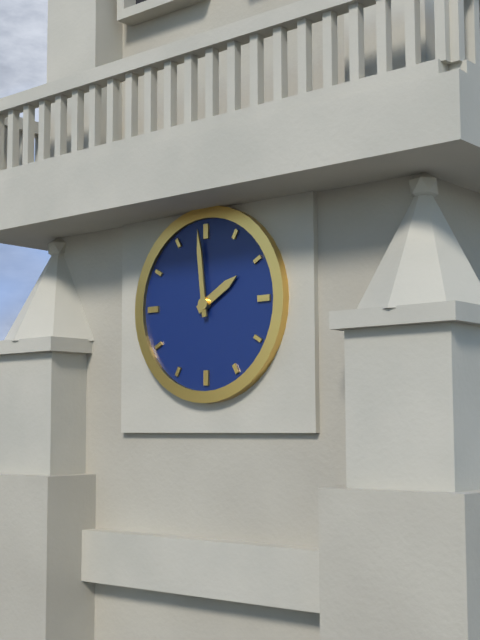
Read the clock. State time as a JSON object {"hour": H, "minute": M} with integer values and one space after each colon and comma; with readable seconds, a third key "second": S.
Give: {"hour": 1, "minute": 59}
